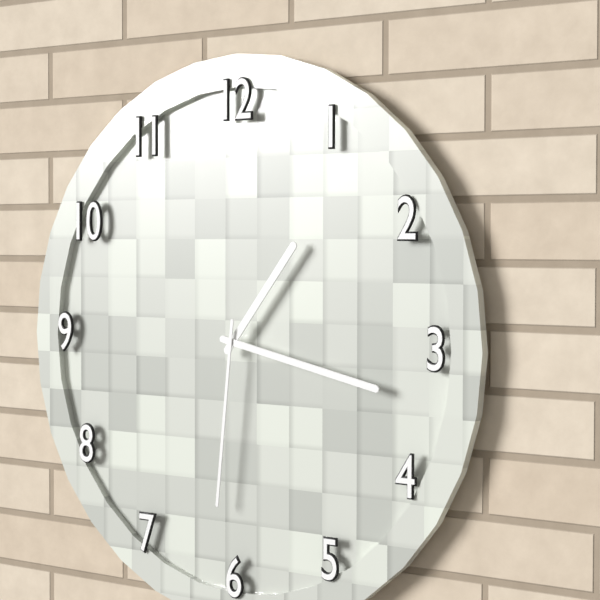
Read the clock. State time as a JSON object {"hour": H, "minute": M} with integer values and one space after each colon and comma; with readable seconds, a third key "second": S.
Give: {"hour": 1, "minute": 17, "second": 31}
